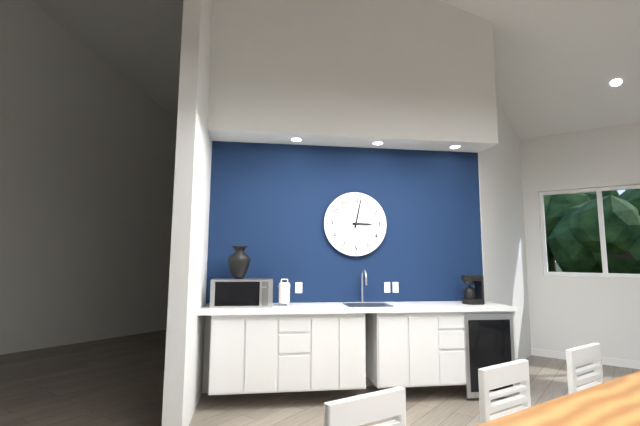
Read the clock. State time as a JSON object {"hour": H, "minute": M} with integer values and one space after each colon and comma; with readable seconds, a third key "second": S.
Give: {"hour": 3, "minute": 2}
